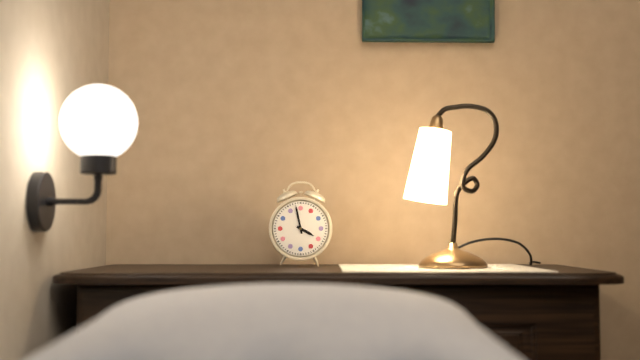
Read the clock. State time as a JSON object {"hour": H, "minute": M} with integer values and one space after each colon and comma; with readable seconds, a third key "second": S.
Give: {"hour": 3, "minute": 58}
